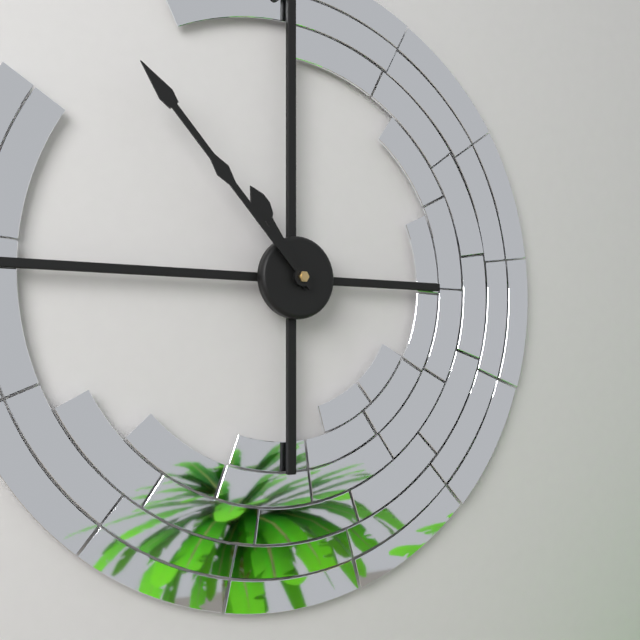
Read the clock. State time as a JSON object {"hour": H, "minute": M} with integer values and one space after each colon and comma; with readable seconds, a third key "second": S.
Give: {"hour": 10, "minute": 53}
